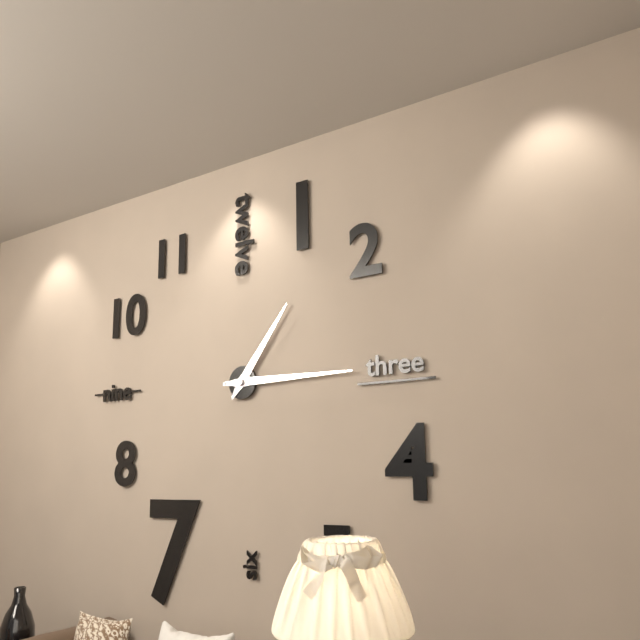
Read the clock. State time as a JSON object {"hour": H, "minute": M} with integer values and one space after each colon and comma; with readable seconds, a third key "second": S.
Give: {"hour": 1, "minute": 15}
